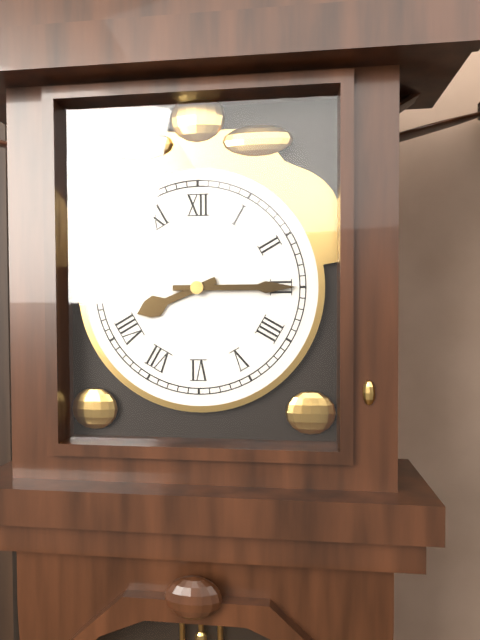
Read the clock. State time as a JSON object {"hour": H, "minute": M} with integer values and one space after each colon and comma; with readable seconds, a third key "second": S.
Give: {"hour": 8, "minute": 15}
